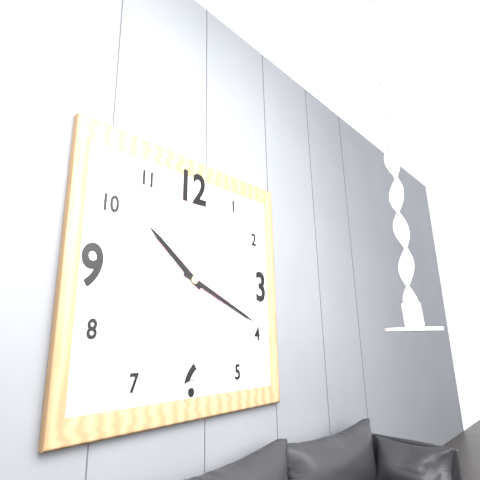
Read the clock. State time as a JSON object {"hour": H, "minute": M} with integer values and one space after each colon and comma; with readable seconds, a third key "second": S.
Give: {"hour": 10, "minute": 19}
